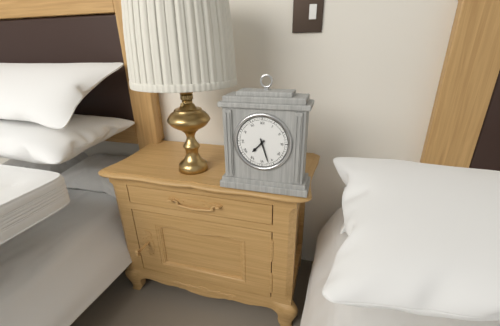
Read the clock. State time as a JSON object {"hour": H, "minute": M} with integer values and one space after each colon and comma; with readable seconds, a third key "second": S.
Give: {"hour": 7, "minute": 27}
